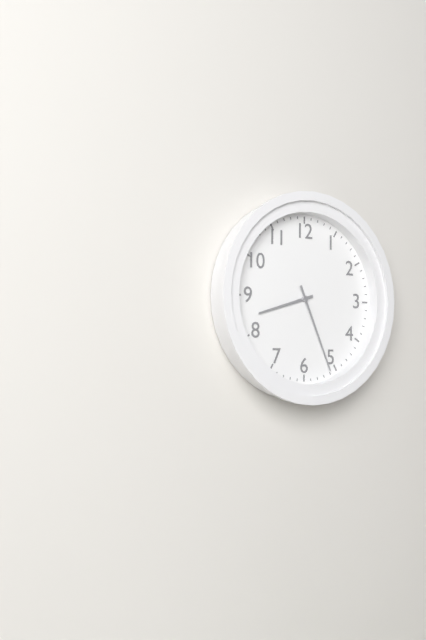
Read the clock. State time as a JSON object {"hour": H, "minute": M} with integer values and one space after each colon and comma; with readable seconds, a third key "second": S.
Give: {"hour": 8, "minute": 26}
